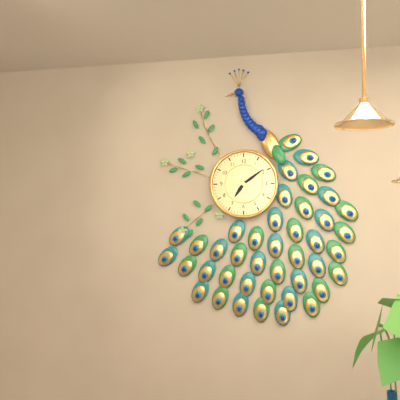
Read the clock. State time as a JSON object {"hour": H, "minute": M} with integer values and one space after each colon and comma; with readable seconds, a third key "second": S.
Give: {"hour": 7, "minute": 9}
